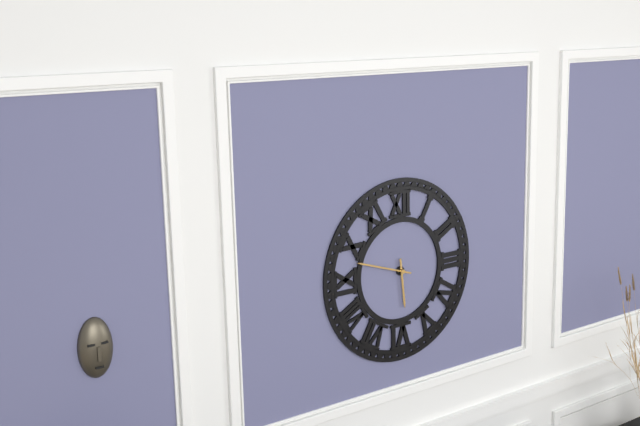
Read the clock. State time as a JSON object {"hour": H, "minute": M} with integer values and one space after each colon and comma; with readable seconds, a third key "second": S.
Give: {"hour": 5, "minute": 48}
